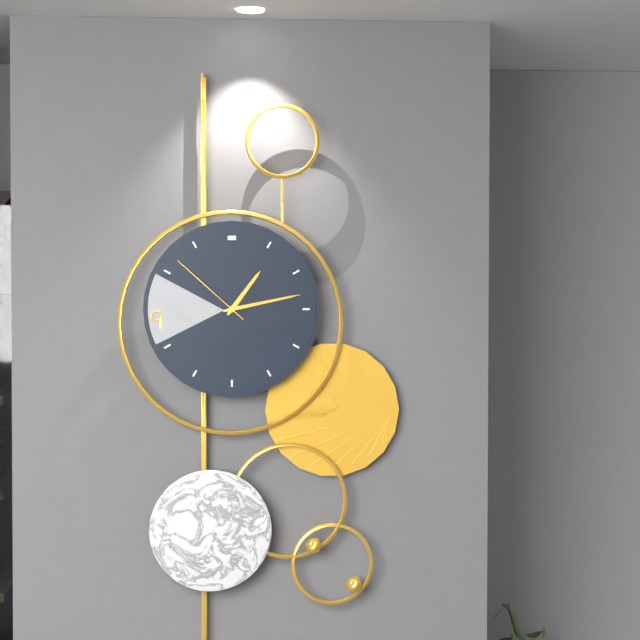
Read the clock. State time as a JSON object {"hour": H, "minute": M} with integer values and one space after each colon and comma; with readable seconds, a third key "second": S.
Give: {"hour": 1, "minute": 13, "second": 52}
